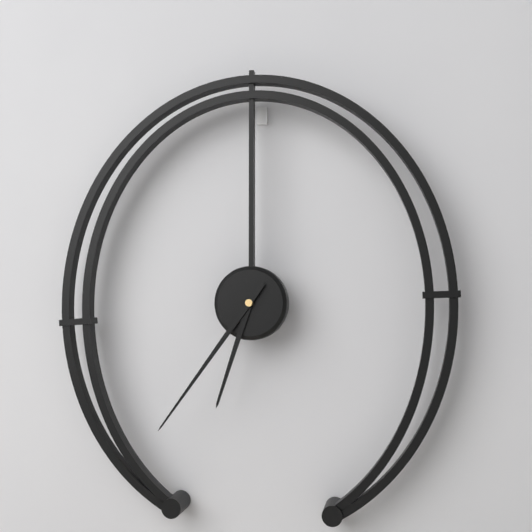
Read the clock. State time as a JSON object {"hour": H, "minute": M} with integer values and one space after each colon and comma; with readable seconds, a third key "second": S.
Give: {"hour": 6, "minute": 36}
